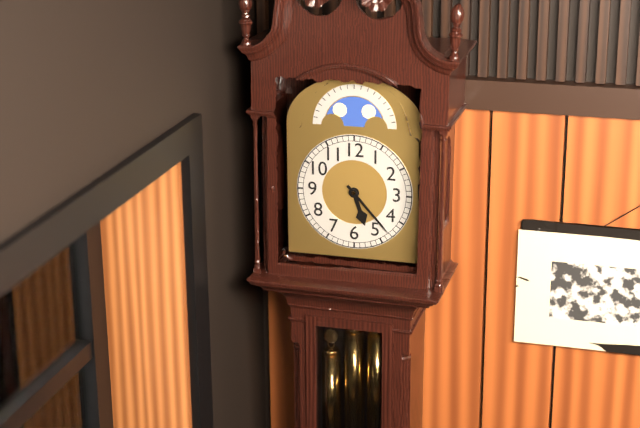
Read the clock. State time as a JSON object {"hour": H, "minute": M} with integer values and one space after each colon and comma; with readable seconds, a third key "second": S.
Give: {"hour": 5, "minute": 23}
